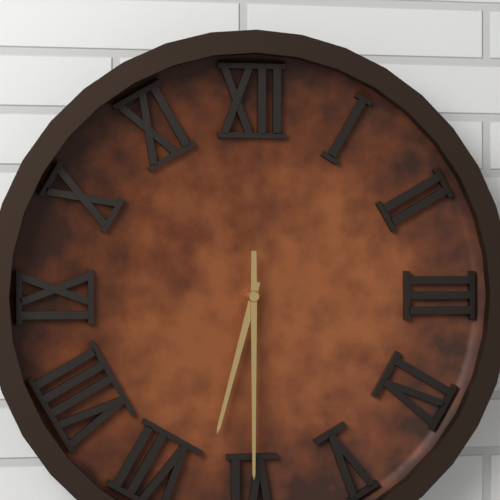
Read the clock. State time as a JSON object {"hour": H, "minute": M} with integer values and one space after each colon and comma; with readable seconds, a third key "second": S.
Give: {"hour": 6, "minute": 30}
